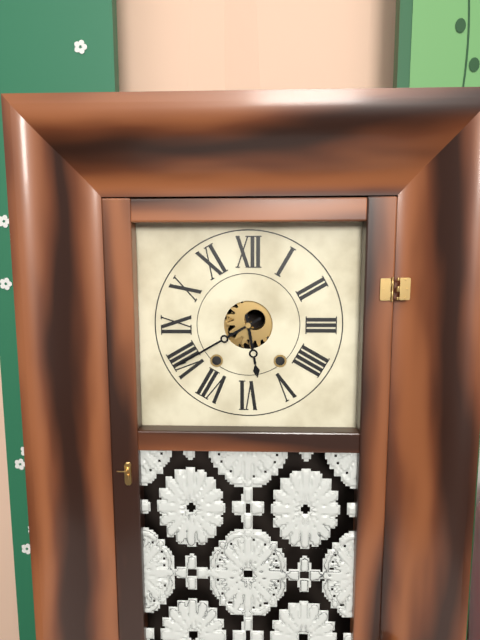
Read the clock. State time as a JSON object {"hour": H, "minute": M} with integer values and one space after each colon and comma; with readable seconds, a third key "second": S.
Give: {"hour": 5, "minute": 40}
